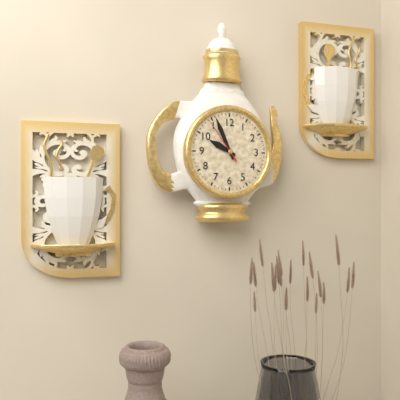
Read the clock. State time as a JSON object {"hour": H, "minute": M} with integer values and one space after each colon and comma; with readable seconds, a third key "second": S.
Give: {"hour": 9, "minute": 56}
